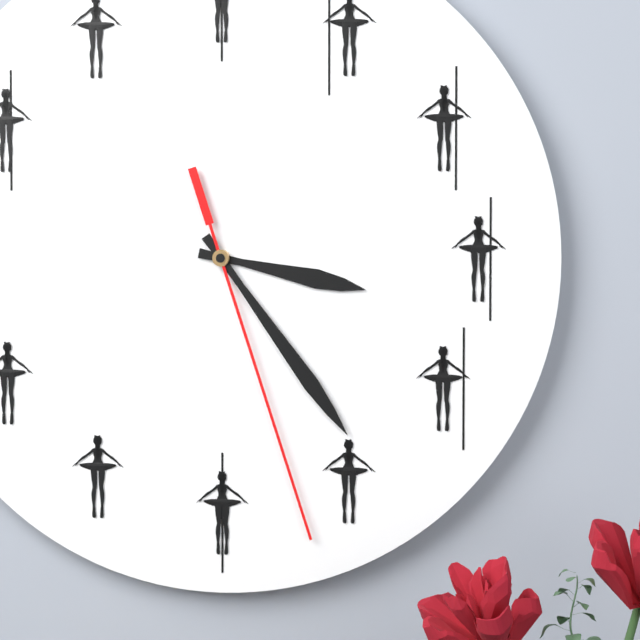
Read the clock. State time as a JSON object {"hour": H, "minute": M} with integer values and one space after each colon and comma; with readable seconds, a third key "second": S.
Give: {"hour": 3, "minute": 24, "second": 27}
